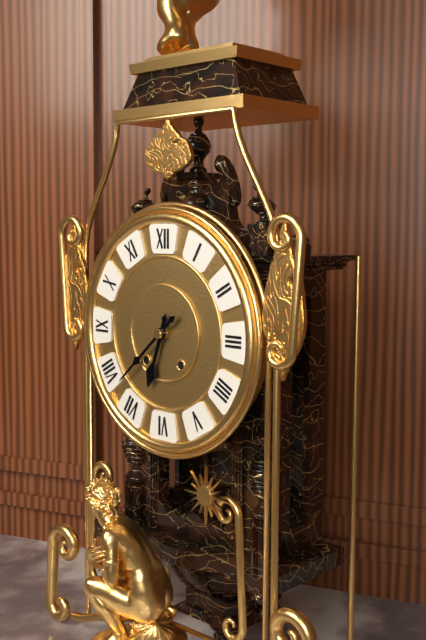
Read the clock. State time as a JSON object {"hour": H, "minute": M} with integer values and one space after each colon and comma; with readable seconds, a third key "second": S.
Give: {"hour": 6, "minute": 38}
